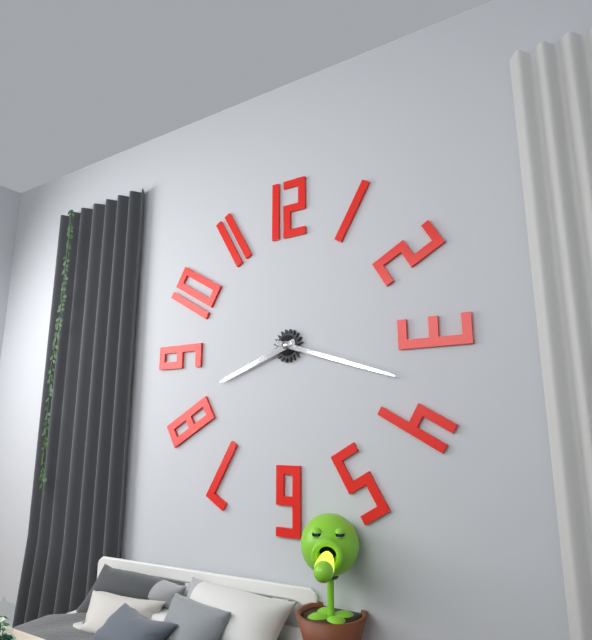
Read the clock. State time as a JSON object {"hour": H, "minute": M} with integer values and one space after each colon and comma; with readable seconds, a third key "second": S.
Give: {"hour": 8, "minute": 18}
